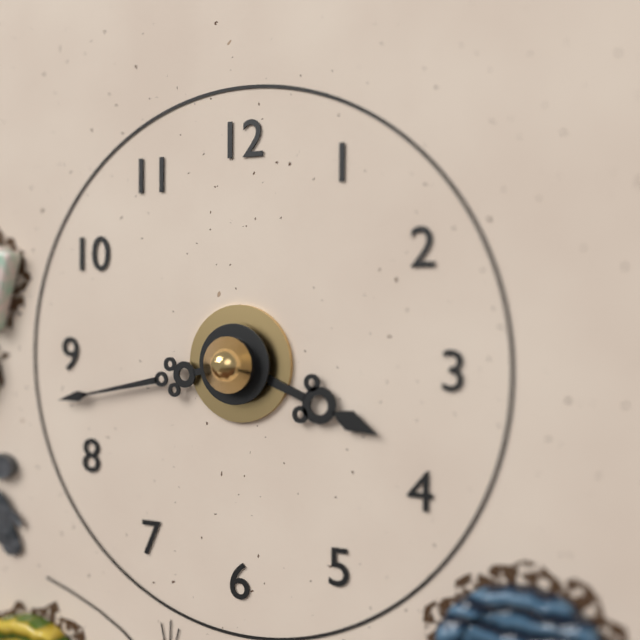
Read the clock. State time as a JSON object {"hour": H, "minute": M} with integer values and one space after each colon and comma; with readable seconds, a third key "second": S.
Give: {"hour": 3, "minute": 43}
